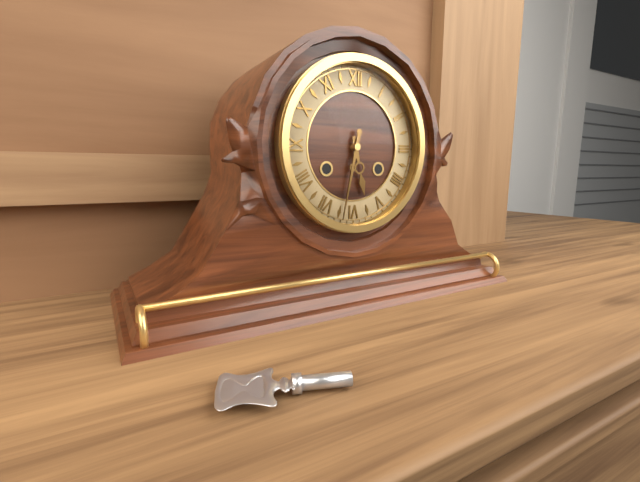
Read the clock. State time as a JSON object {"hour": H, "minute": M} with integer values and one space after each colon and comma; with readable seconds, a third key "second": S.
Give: {"hour": 5, "minute": 32}
